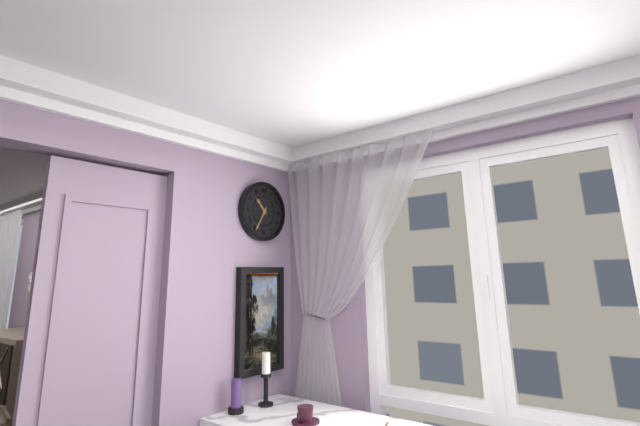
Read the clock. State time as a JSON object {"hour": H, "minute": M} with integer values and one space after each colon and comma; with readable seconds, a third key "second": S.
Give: {"hour": 10, "minute": 35}
